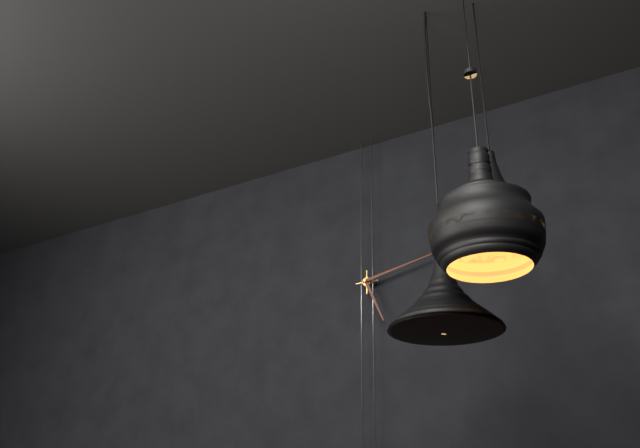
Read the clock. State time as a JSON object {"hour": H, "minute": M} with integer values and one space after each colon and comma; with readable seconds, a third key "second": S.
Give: {"hour": 5, "minute": 13}
